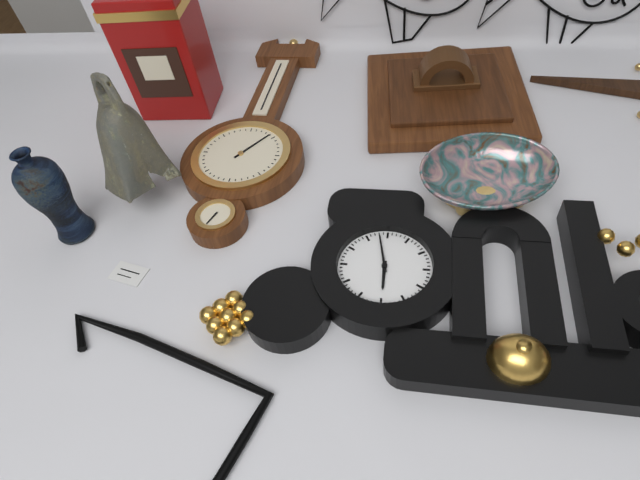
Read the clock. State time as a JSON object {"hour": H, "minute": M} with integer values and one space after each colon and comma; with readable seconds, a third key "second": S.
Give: {"hour": 5, "minute": 58}
